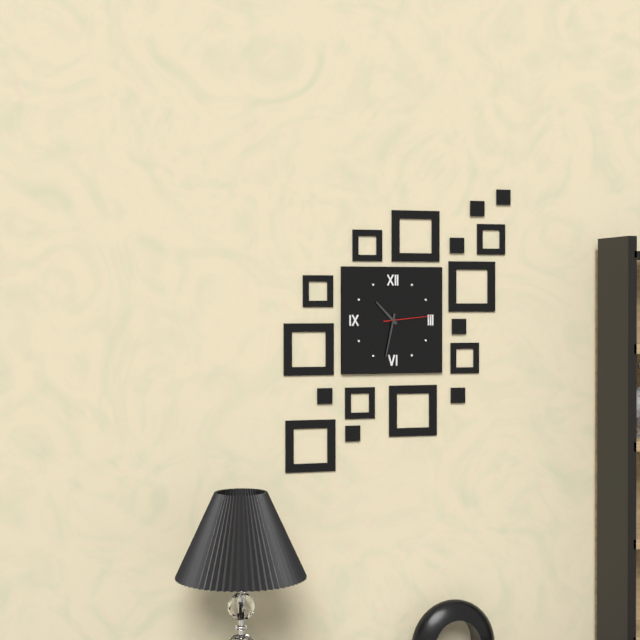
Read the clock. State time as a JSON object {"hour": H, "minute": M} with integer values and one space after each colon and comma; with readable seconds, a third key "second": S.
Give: {"hour": 10, "minute": 32}
